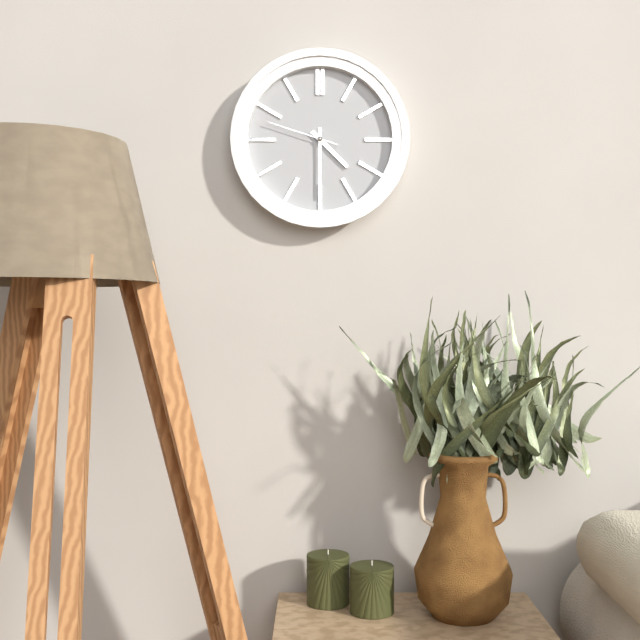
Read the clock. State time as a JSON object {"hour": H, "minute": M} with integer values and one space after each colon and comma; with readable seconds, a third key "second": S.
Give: {"hour": 4, "minute": 30, "second": 48}
